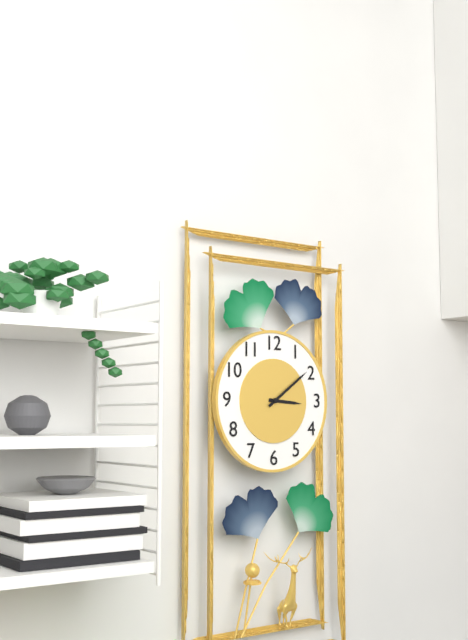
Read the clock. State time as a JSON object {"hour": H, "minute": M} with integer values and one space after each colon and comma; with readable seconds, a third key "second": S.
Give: {"hour": 3, "minute": 9}
